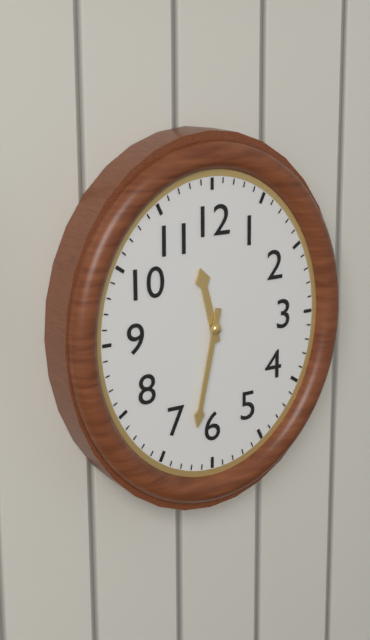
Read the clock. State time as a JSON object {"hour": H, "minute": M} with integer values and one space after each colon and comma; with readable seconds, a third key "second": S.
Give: {"hour": 11, "minute": 32}
